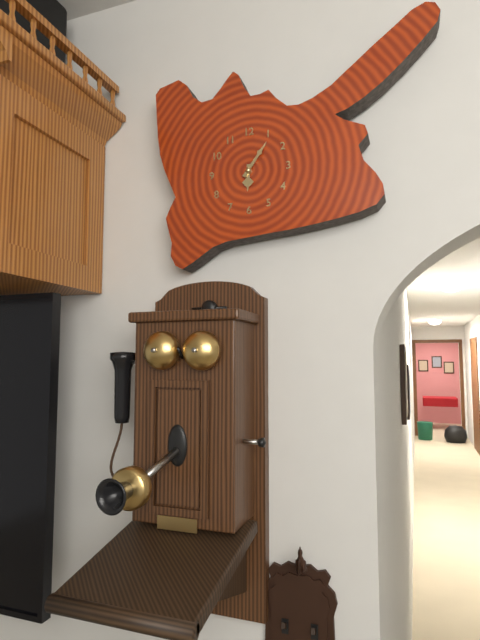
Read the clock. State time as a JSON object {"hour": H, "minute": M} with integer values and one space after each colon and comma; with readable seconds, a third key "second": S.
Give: {"hour": 6, "minute": 6}
